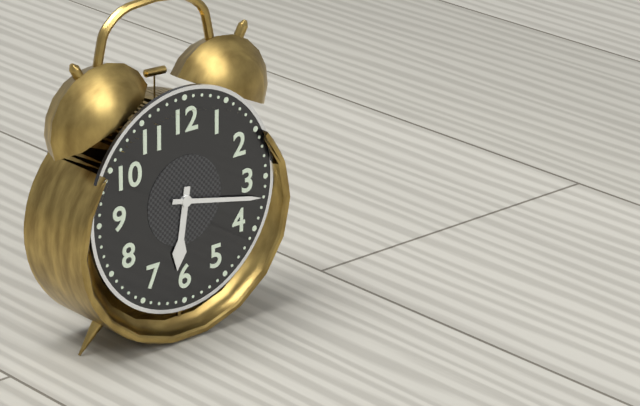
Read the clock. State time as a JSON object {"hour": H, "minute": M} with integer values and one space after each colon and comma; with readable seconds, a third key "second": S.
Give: {"hour": 6, "minute": 17}
